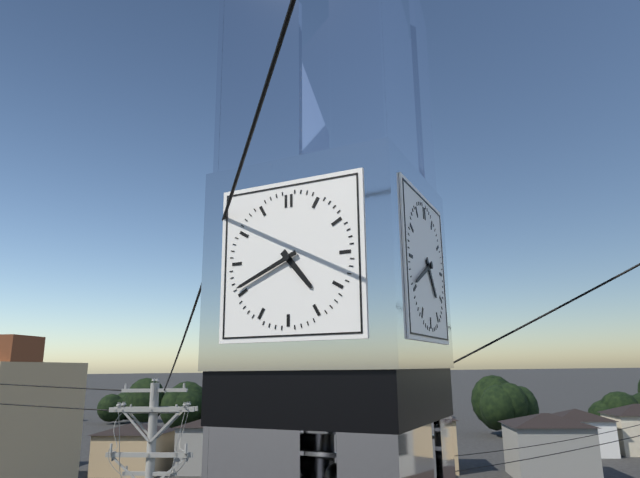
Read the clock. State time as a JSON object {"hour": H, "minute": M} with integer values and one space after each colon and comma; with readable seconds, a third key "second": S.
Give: {"hour": 4, "minute": 41}
